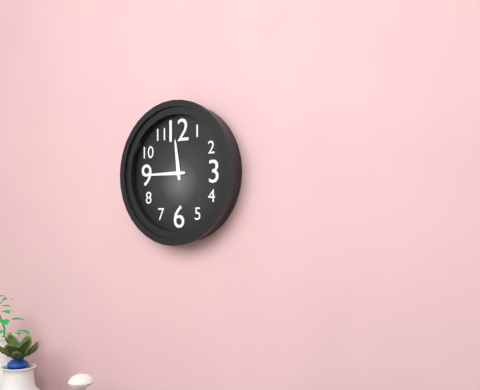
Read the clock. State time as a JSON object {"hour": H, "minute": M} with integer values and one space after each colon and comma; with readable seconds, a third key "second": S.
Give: {"hour": 11, "minute": 45}
